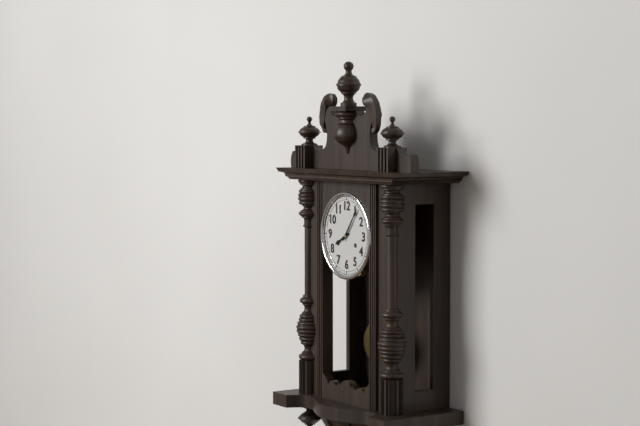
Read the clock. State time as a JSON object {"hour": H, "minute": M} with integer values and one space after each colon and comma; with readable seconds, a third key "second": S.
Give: {"hour": 8, "minute": 6}
